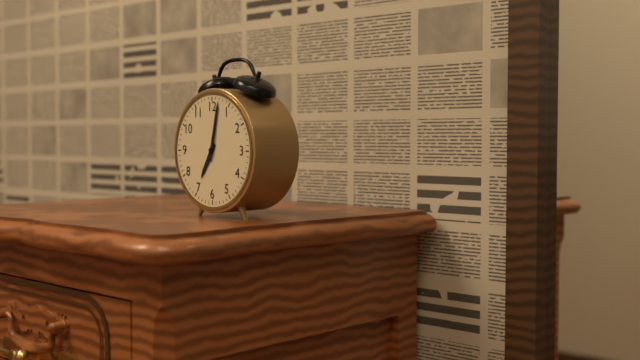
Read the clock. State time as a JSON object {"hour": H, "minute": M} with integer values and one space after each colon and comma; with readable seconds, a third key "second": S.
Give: {"hour": 7, "minute": 2}
